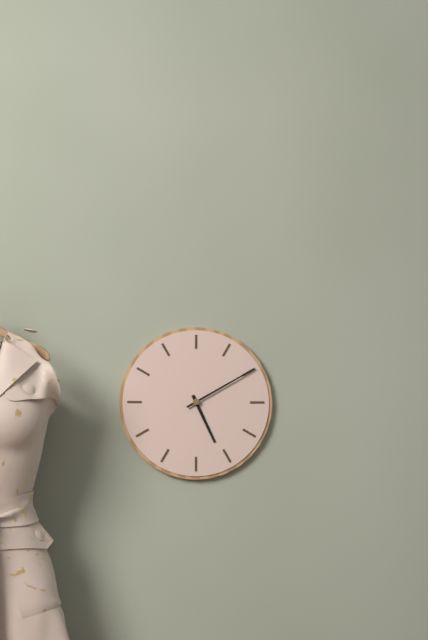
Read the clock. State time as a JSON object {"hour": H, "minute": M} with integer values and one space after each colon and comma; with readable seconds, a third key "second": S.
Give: {"hour": 5, "minute": 10}
